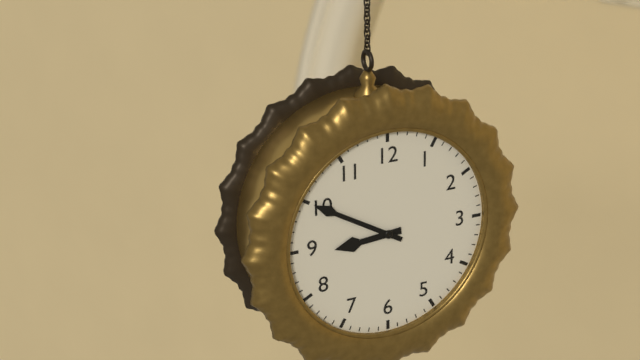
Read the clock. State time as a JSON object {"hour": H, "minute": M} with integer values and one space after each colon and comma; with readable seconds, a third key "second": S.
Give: {"hour": 8, "minute": 50}
